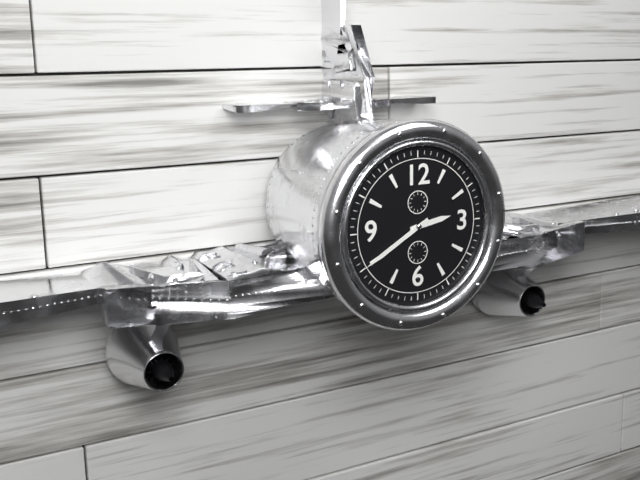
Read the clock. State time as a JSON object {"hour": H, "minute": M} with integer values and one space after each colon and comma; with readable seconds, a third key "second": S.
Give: {"hour": 2, "minute": 40}
